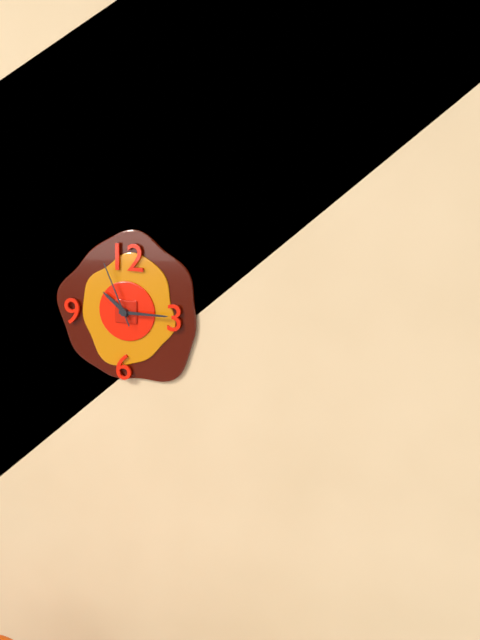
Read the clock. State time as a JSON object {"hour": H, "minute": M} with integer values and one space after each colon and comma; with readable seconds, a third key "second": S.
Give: {"hour": 10, "minute": 15, "second": 56}
